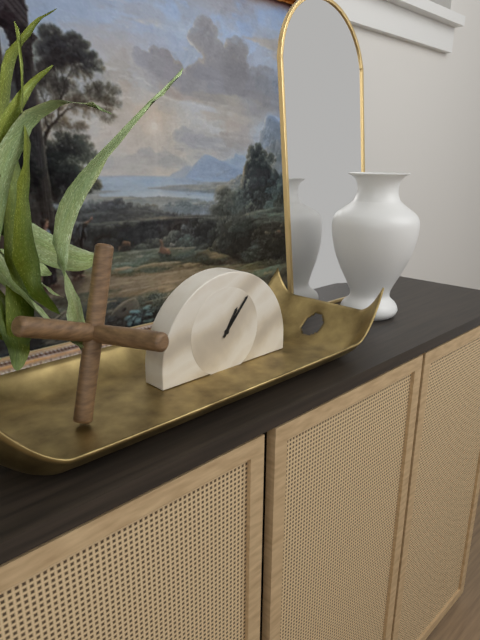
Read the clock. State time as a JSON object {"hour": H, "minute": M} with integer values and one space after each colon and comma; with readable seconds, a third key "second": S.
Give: {"hour": 1, "minute": 7}
